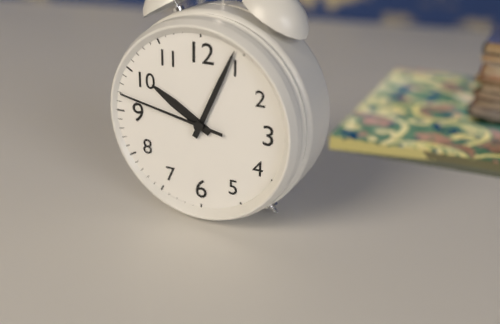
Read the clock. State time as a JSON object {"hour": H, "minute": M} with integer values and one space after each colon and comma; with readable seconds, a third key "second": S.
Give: {"hour": 10, "minute": 4, "second": 47}
